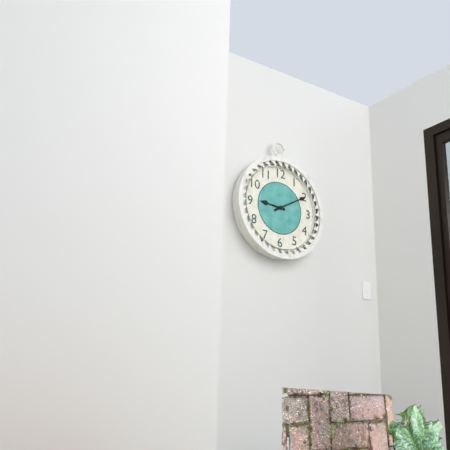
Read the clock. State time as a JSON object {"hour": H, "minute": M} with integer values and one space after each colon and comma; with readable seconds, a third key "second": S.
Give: {"hour": 9, "minute": 10}
